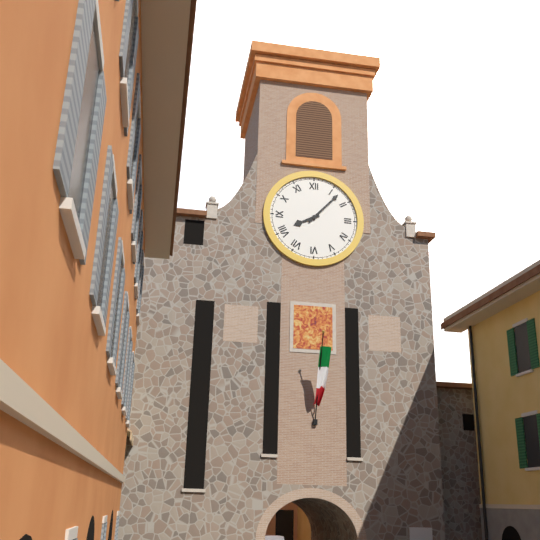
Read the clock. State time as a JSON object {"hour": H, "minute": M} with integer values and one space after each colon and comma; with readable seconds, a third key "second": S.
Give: {"hour": 8, "minute": 7}
